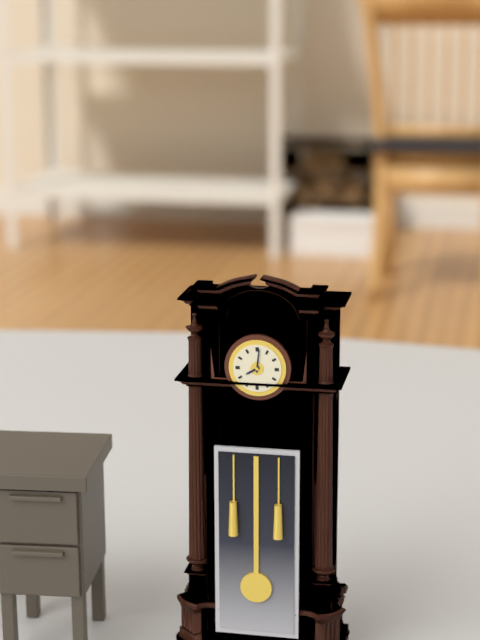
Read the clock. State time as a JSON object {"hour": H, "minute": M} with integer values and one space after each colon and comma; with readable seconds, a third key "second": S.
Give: {"hour": 8, "minute": 1}
